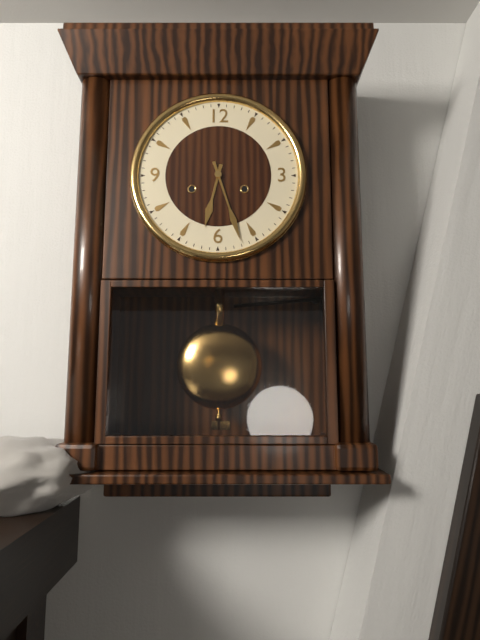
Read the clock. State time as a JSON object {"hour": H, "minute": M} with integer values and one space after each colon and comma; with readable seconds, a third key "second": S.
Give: {"hour": 6, "minute": 27}
